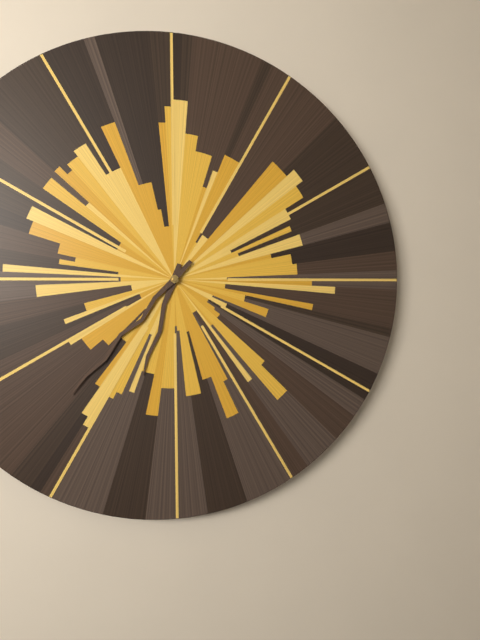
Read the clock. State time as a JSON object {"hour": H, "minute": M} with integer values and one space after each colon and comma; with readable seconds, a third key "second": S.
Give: {"hour": 6, "minute": 37}
